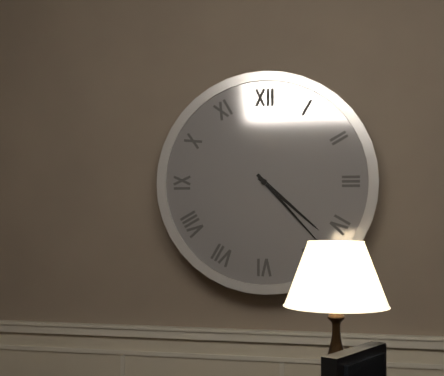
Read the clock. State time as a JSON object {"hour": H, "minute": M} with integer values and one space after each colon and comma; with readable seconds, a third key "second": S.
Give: {"hour": 4, "minute": 23}
